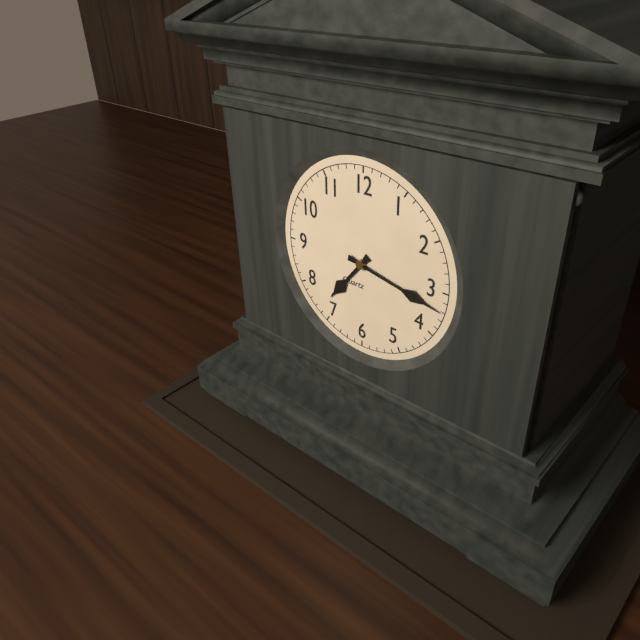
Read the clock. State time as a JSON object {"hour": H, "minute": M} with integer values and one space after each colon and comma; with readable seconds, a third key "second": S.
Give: {"hour": 7, "minute": 17}
